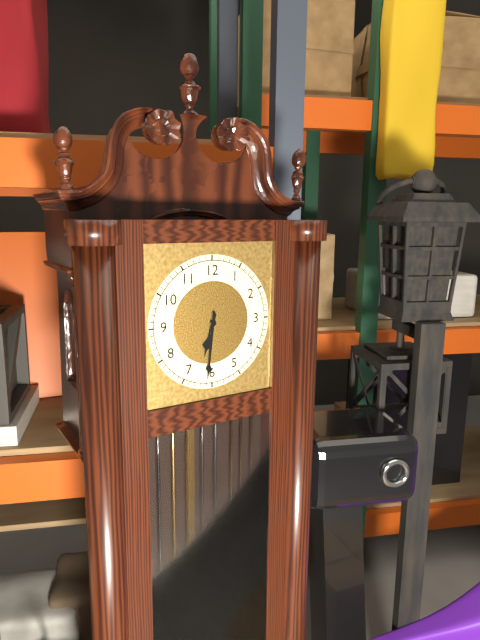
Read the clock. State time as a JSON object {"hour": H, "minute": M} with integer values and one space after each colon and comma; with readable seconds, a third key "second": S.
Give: {"hour": 6, "minute": 31}
